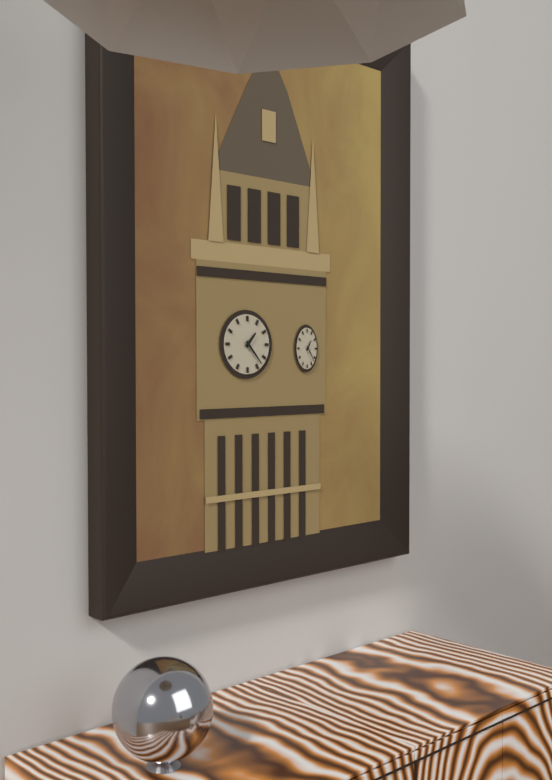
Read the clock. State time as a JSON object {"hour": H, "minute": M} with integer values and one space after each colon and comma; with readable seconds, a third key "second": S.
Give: {"hour": 1, "minute": 23}
